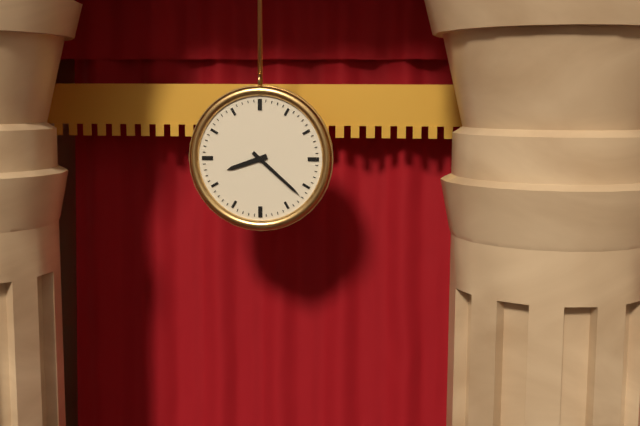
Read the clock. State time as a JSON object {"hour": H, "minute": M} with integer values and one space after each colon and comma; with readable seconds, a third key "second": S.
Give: {"hour": 8, "minute": 22}
